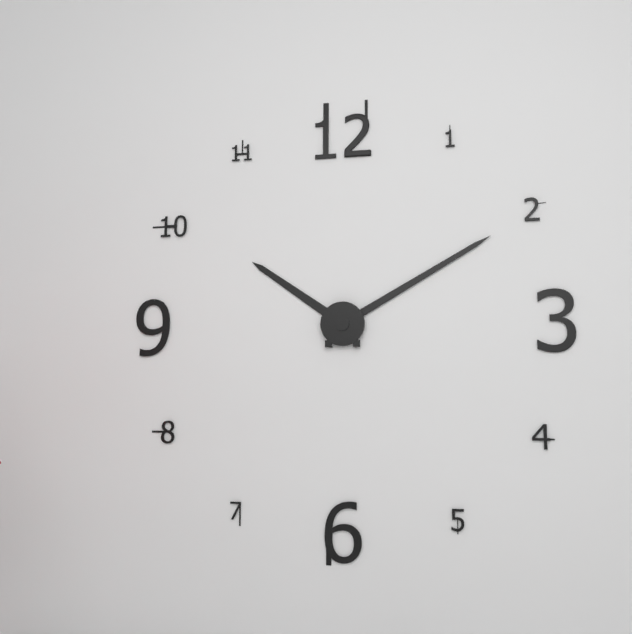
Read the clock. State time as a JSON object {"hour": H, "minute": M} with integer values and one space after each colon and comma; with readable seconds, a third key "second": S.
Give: {"hour": 10, "minute": 10}
